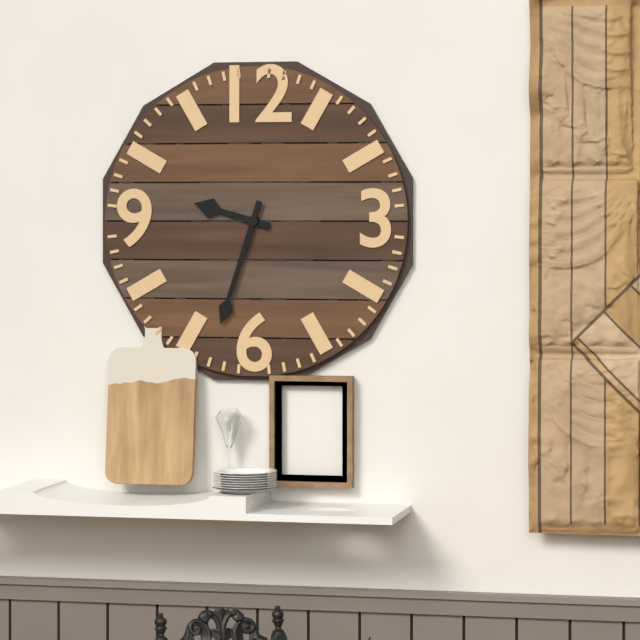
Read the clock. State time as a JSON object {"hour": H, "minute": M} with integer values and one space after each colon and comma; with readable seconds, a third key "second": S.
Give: {"hour": 9, "minute": 33}
